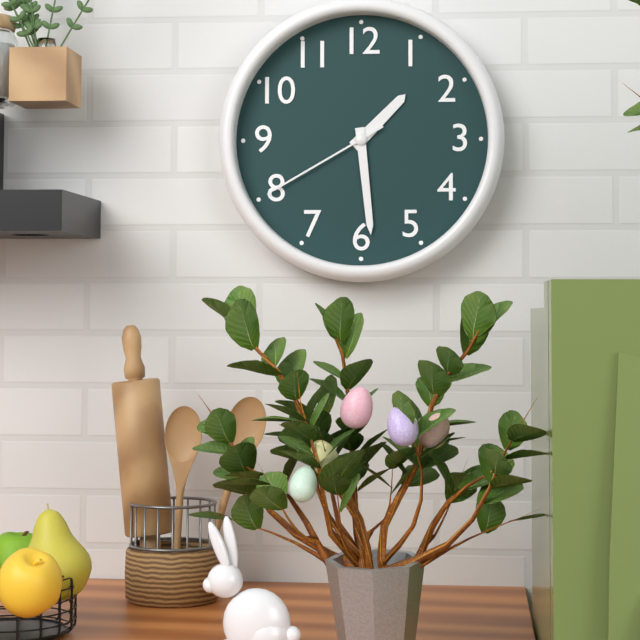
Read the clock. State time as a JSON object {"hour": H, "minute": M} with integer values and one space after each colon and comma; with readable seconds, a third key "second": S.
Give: {"hour": 1, "minute": 29, "second": 40}
